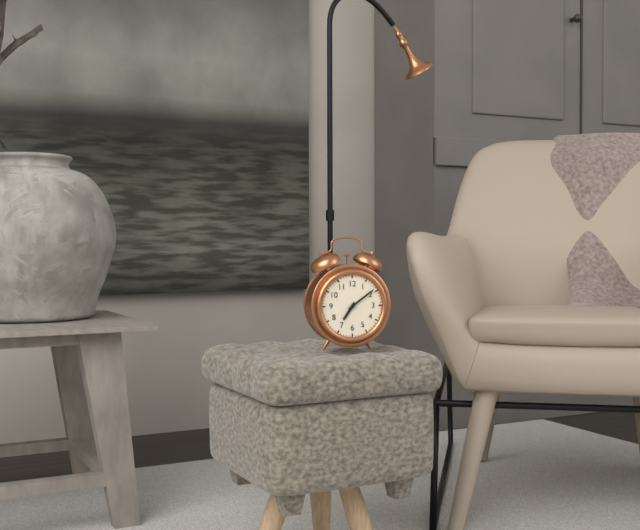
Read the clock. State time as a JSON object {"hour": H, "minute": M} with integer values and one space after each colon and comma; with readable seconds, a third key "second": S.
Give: {"hour": 7, "minute": 9}
